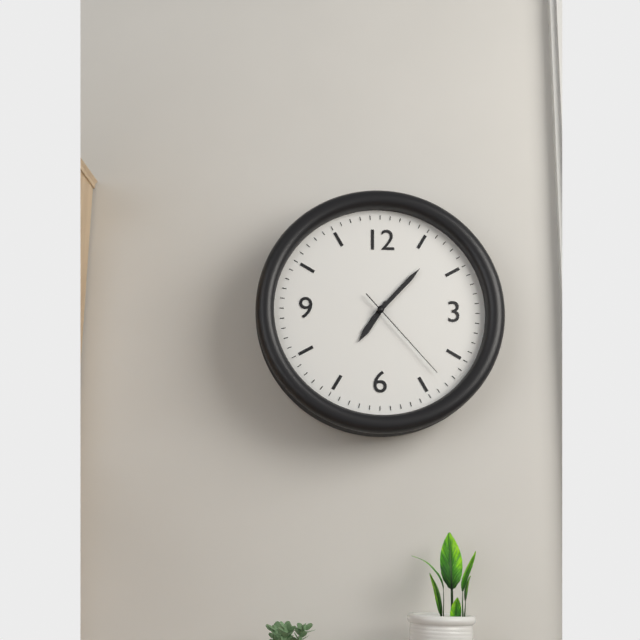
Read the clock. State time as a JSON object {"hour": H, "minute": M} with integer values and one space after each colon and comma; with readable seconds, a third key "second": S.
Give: {"hour": 7, "minute": 7, "second": 23}
